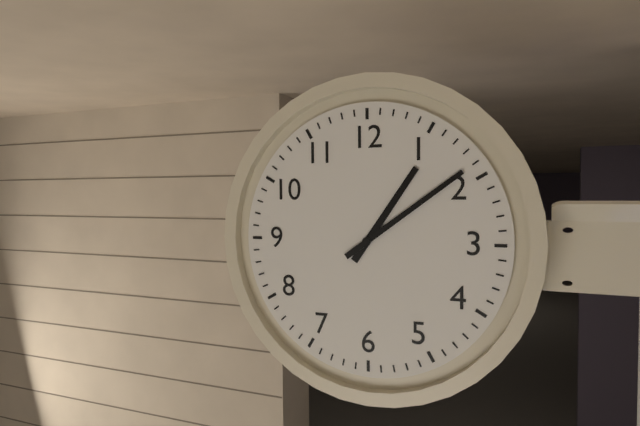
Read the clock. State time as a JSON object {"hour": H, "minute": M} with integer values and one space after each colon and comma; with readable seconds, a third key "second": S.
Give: {"hour": 1, "minute": 9}
